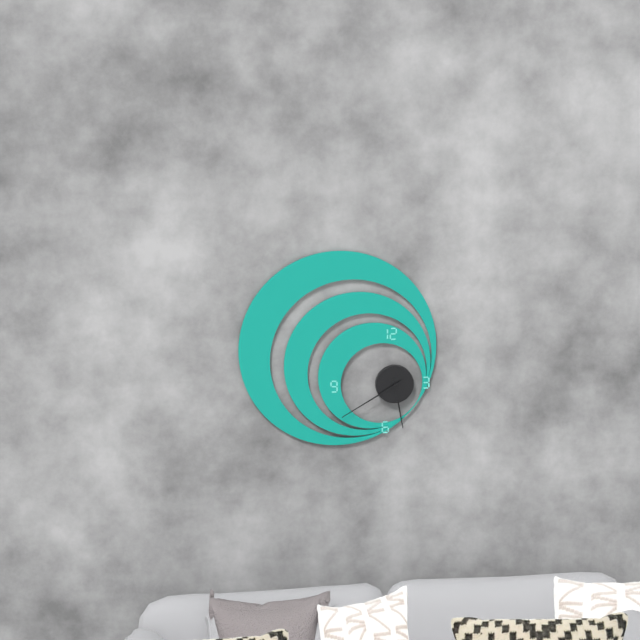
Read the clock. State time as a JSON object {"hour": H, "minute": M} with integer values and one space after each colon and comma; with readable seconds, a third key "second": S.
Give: {"hour": 5, "minute": 40}
